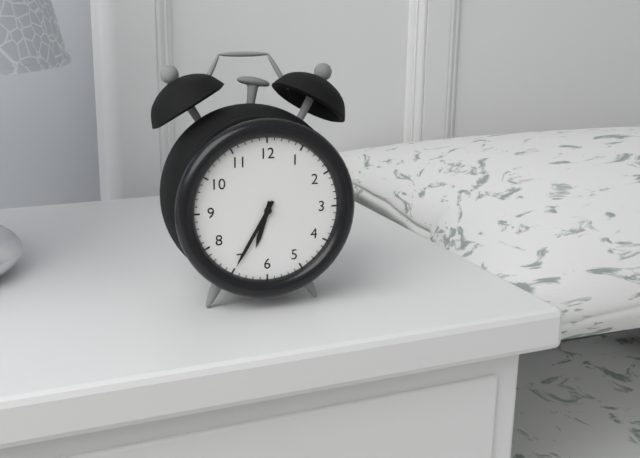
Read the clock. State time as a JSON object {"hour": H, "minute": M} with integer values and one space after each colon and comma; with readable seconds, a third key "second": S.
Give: {"hour": 6, "minute": 35}
